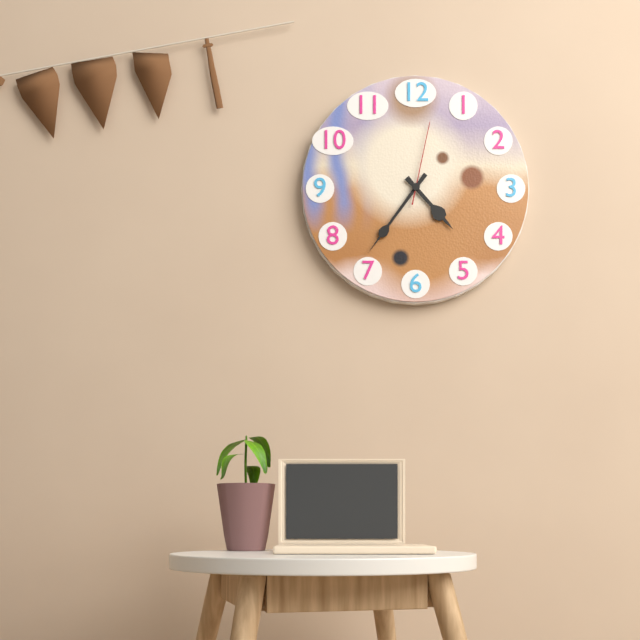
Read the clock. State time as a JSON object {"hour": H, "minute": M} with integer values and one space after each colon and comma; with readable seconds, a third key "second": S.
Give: {"hour": 4, "minute": 36, "second": 2}
